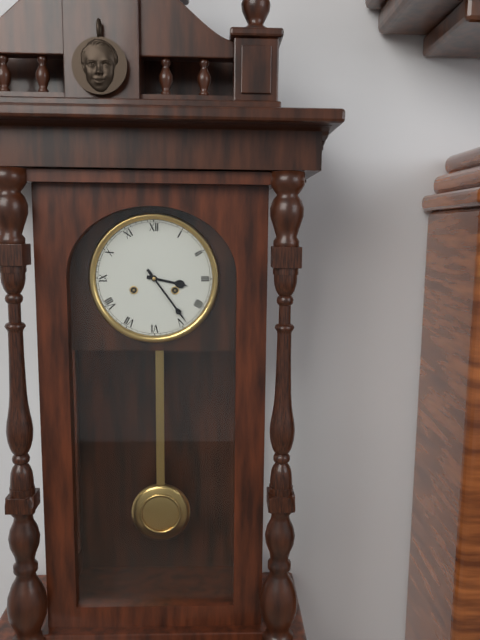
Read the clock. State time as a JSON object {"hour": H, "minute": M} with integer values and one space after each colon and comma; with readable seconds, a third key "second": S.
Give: {"hour": 3, "minute": 24}
